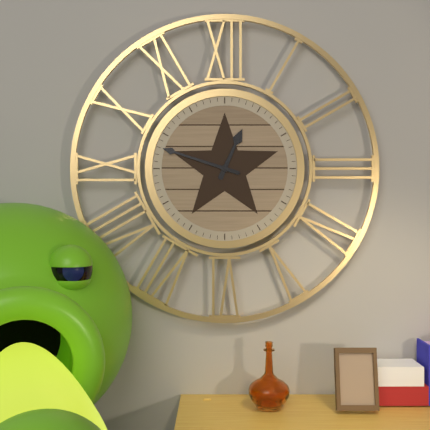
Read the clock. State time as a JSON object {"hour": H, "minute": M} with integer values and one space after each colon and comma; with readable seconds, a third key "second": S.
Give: {"hour": 12, "minute": 48}
